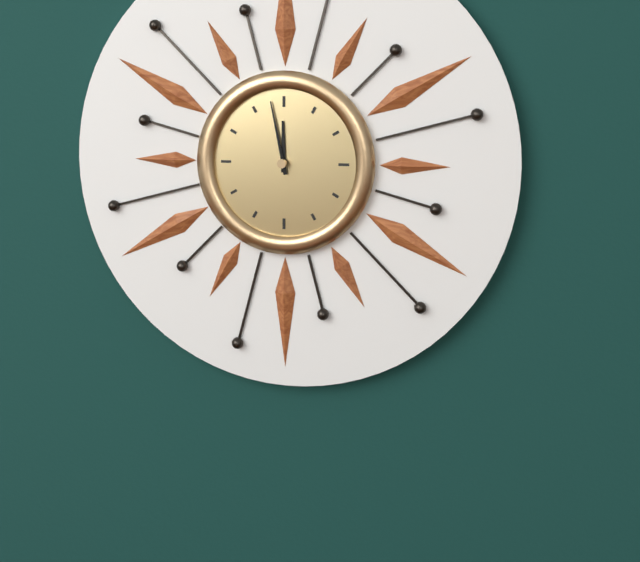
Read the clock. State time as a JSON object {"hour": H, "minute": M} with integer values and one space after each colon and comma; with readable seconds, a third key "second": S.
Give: {"hour": 11, "minute": 58}
